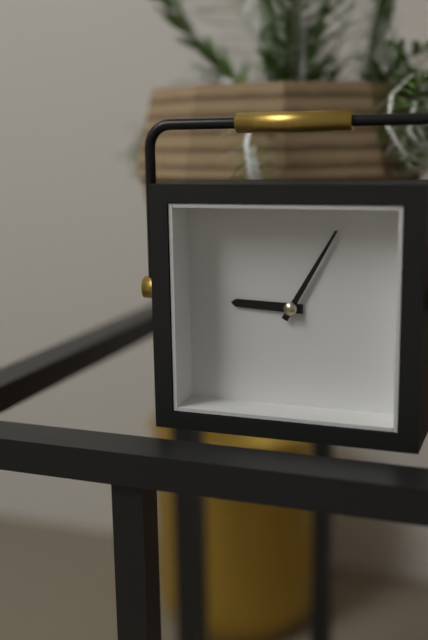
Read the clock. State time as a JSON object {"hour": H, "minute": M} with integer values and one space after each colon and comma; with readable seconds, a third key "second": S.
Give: {"hour": 9, "minute": 5}
